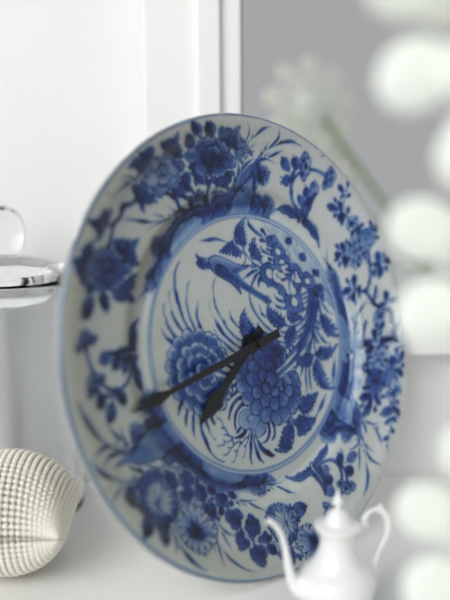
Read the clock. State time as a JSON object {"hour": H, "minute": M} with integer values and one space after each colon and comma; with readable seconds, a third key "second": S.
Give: {"hour": 7, "minute": 43}
